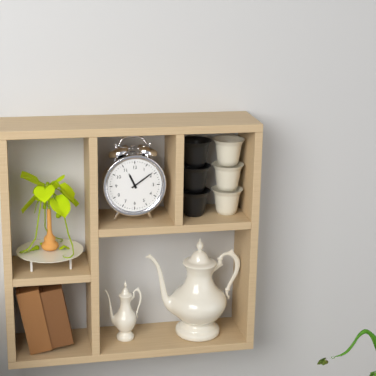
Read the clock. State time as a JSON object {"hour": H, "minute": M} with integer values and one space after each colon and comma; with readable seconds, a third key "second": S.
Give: {"hour": 11, "minute": 9}
